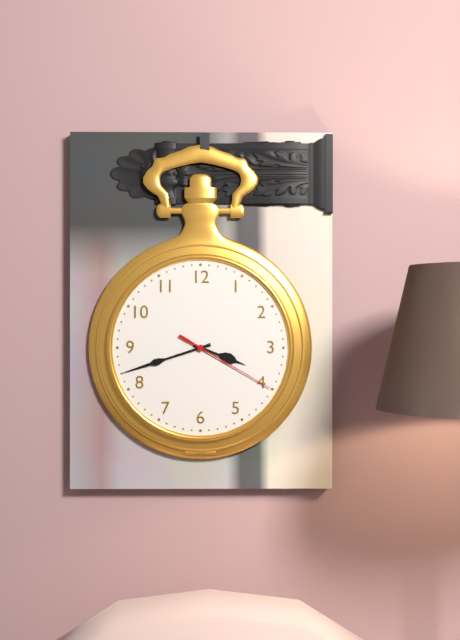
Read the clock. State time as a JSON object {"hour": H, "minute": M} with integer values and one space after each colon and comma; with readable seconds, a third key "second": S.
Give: {"hour": 3, "minute": 42, "second": 20}
